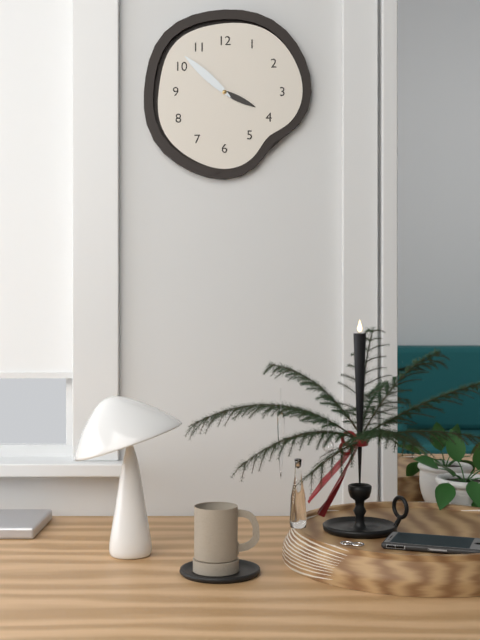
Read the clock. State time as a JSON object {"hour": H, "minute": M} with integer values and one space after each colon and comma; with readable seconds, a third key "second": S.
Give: {"hour": 3, "minute": 52}
